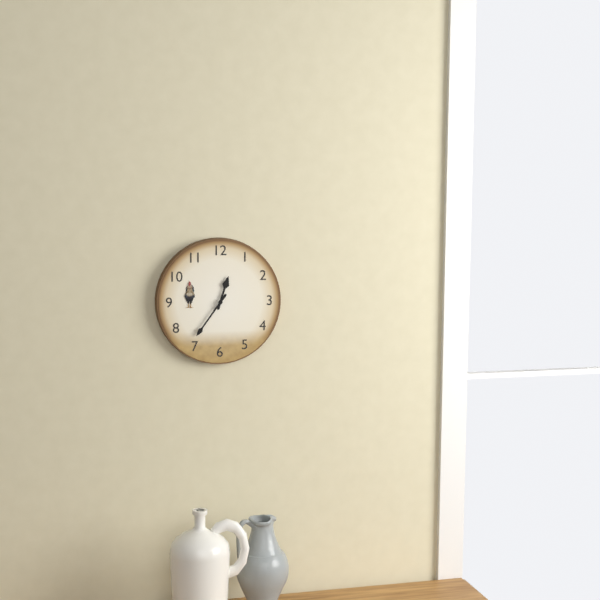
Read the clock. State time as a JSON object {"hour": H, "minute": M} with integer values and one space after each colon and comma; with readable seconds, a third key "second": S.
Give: {"hour": 12, "minute": 36}
